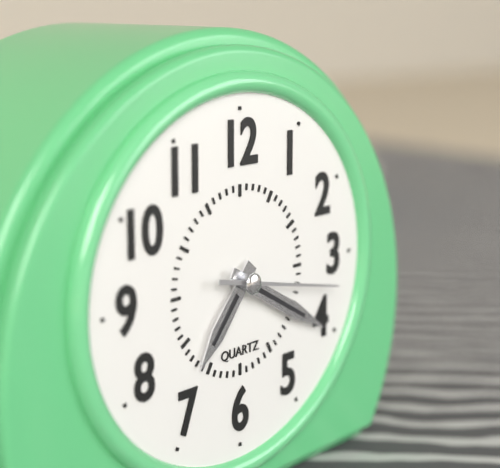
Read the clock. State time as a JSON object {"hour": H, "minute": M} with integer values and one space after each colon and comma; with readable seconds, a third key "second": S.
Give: {"hour": 7, "minute": 20, "second": 17}
